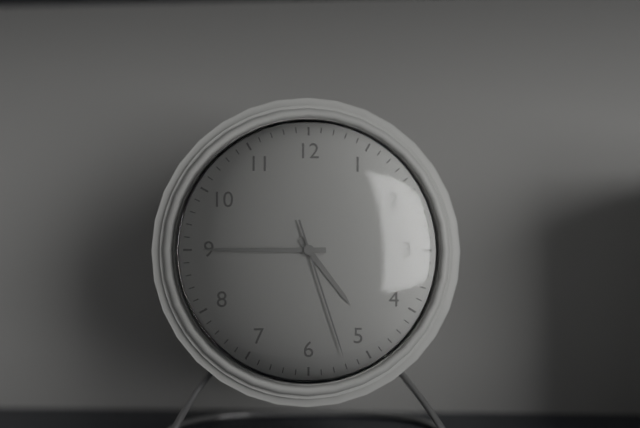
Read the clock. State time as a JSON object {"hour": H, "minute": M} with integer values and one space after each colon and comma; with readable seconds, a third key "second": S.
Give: {"hour": 4, "minute": 45, "second": 27}
